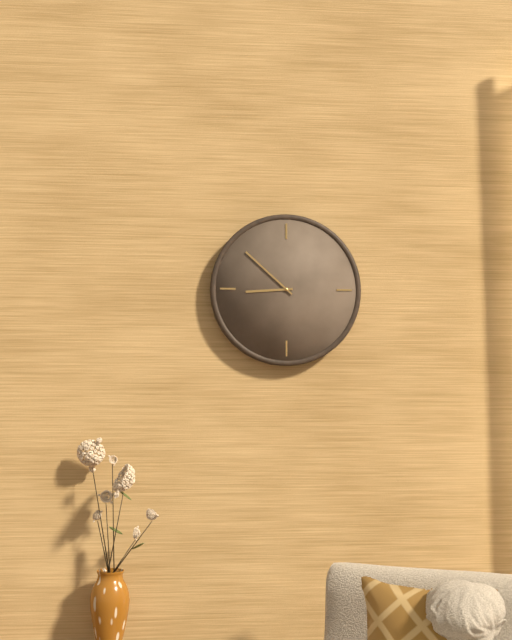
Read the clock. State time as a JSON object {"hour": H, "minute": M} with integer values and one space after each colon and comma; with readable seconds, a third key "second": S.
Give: {"hour": 8, "minute": 52}
